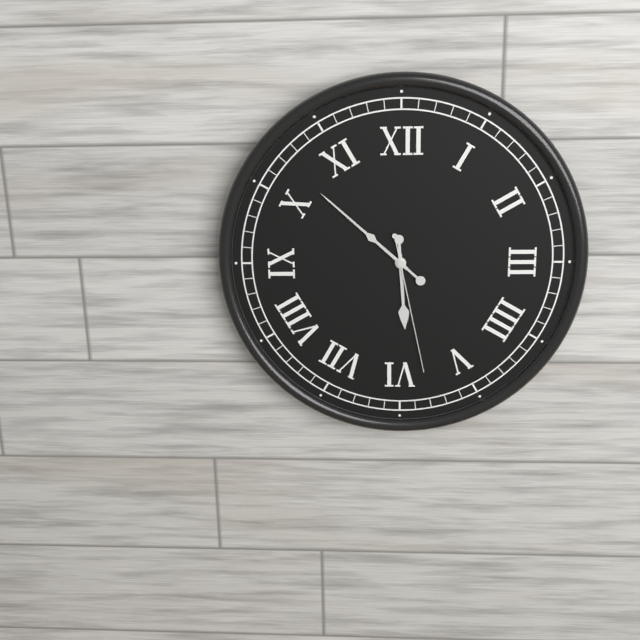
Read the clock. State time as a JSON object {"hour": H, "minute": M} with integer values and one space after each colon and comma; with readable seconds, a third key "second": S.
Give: {"hour": 5, "minute": 52, "second": 28}
